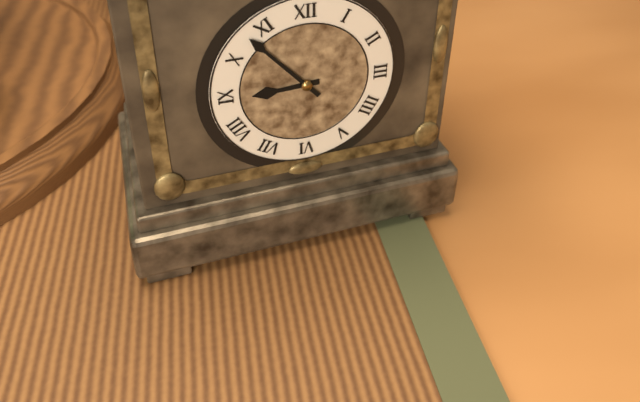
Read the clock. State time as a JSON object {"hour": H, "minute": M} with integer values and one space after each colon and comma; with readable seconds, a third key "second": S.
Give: {"hour": 8, "minute": 53}
